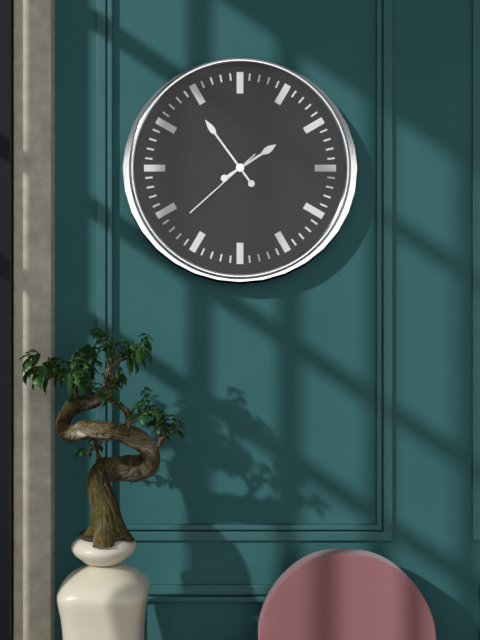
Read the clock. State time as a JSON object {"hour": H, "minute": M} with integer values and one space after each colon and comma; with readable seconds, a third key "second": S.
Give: {"hour": 1, "minute": 54, "second": 38}
